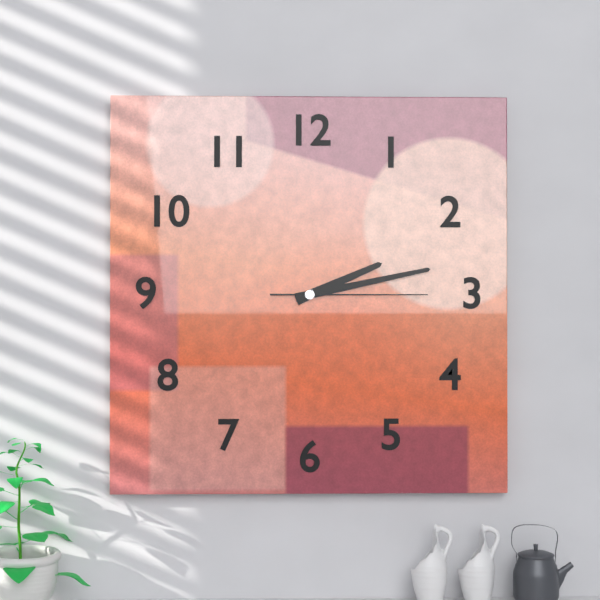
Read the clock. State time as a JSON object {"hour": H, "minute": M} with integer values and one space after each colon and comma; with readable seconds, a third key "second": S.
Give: {"hour": 2, "minute": 13, "second": 15}
